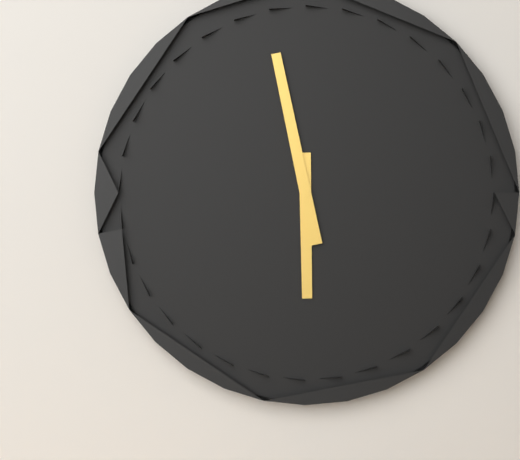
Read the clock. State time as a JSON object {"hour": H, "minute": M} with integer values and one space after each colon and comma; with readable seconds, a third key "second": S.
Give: {"hour": 5, "minute": 58}
